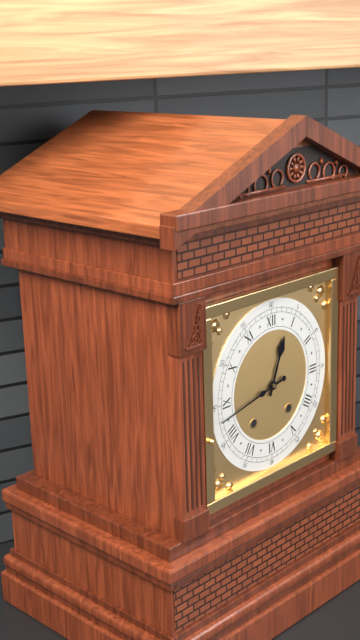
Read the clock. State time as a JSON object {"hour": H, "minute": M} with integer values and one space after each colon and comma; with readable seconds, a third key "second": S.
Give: {"hour": 12, "minute": 43}
